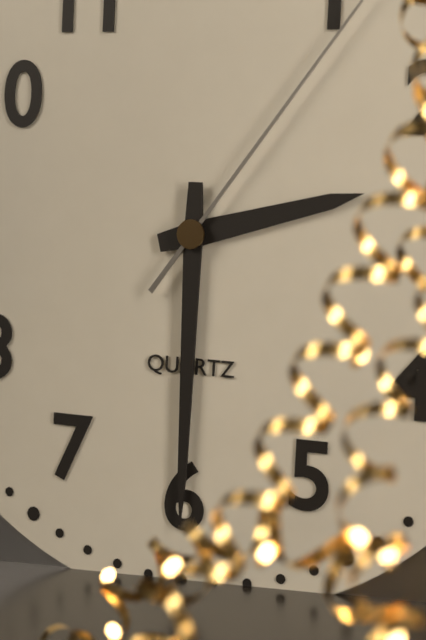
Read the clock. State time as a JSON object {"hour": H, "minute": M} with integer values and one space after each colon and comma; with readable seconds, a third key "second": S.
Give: {"hour": 2, "minute": 30}
